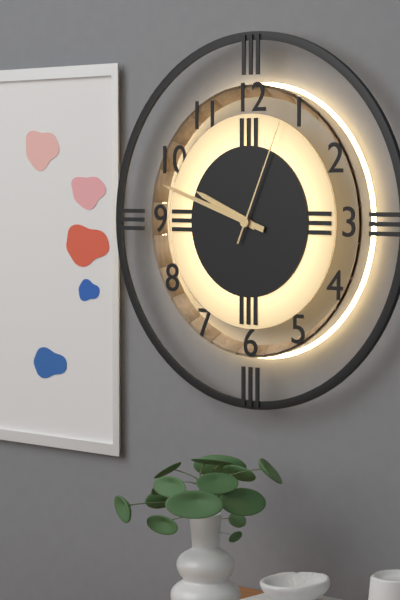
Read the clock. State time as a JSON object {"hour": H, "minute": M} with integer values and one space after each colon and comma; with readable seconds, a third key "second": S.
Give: {"hour": 9, "minute": 48, "second": 4}
